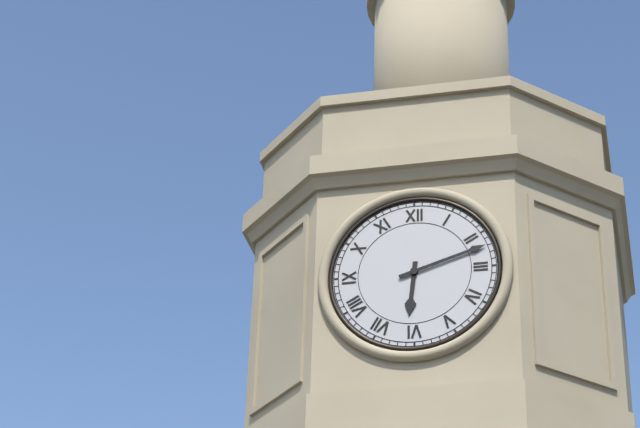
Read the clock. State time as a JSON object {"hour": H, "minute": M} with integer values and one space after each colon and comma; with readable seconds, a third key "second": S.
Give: {"hour": 6, "minute": 12}
